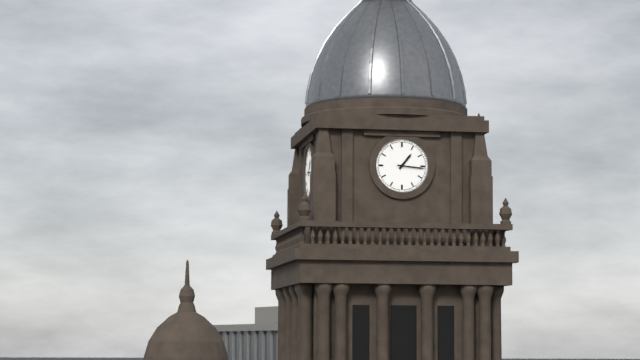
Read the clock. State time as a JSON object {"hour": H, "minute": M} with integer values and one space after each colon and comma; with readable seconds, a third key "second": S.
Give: {"hour": 1, "minute": 16}
